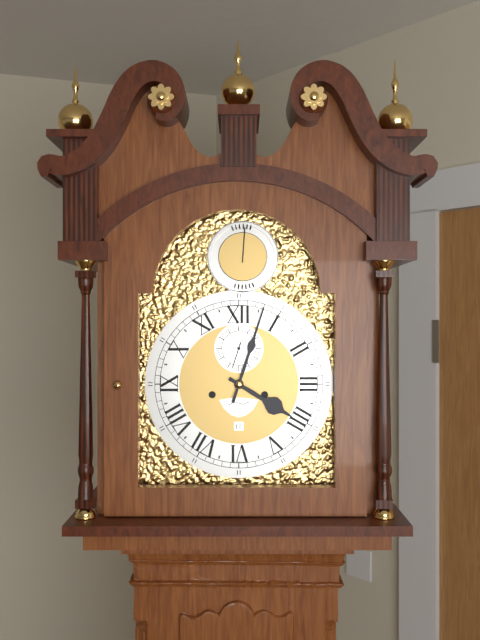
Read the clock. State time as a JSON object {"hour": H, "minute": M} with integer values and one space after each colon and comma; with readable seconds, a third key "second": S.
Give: {"hour": 4, "minute": 3}
